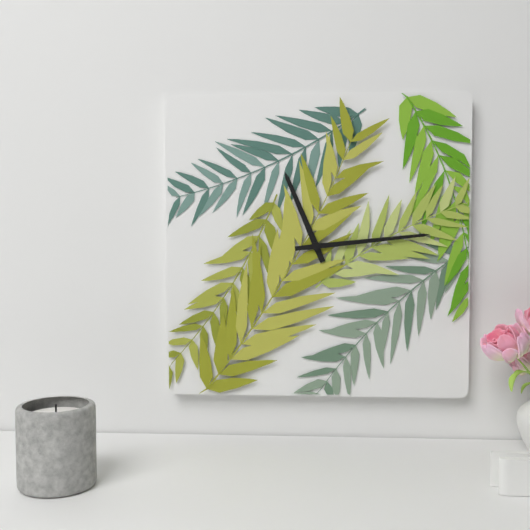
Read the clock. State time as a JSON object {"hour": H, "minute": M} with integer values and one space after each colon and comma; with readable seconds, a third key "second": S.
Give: {"hour": 11, "minute": 14}
